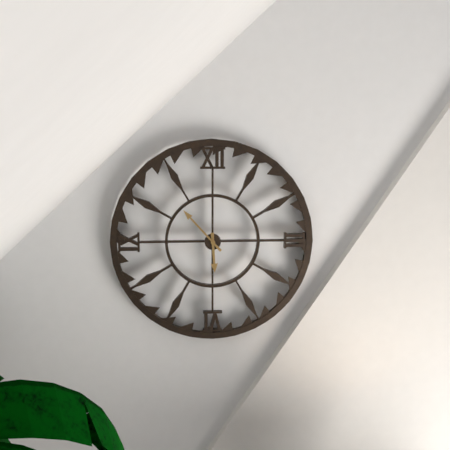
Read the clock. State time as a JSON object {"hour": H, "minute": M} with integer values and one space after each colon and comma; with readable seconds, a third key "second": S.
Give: {"hour": 5, "minute": 53}
